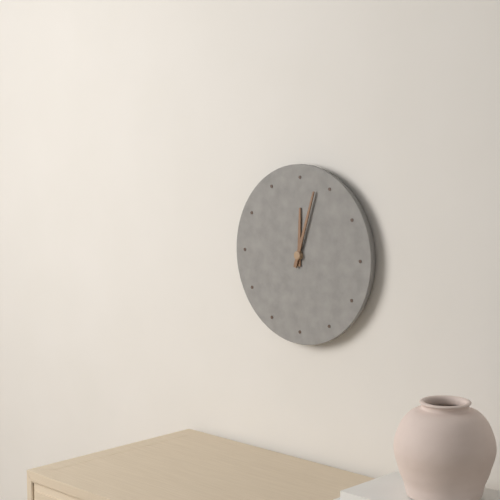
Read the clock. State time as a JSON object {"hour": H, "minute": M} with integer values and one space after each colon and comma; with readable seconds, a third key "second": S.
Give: {"hour": 12, "minute": 3}
